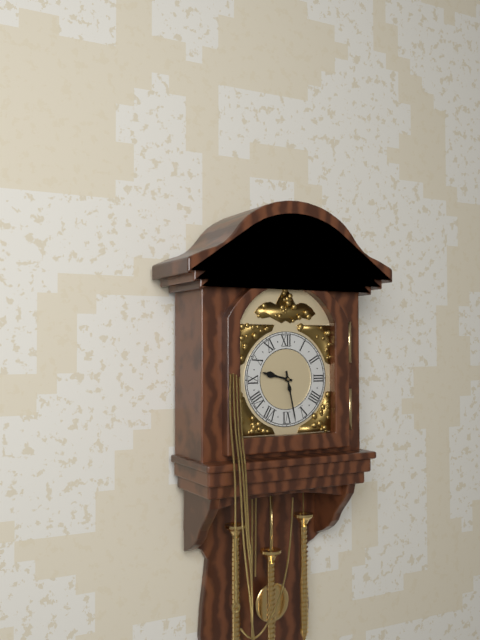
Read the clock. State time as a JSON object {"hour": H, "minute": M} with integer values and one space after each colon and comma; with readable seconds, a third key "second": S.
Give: {"hour": 9, "minute": 28}
